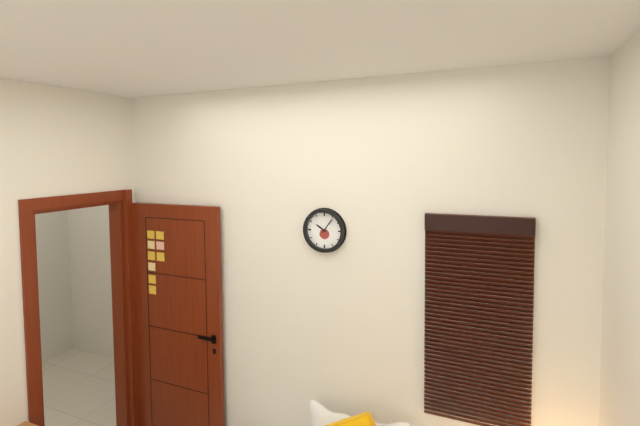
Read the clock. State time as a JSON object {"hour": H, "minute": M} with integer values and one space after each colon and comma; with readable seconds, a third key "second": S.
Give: {"hour": 10, "minute": 6}
